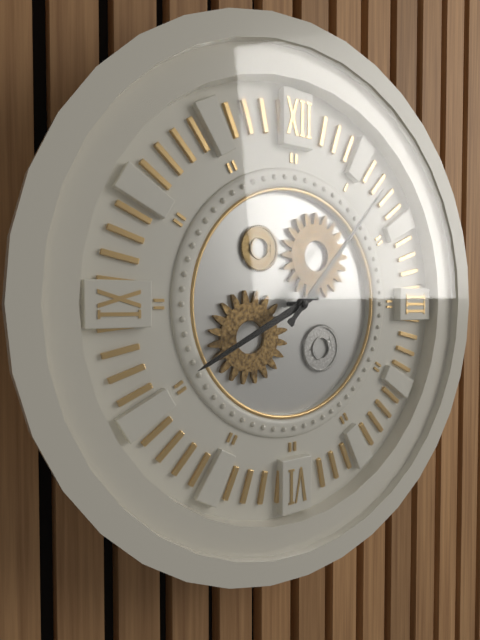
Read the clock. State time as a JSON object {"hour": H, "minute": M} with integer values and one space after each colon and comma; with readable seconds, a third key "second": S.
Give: {"hour": 8, "minute": 7}
